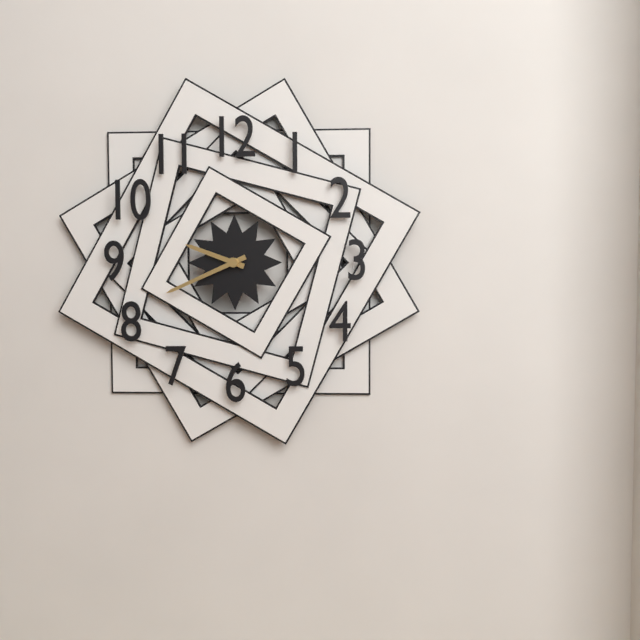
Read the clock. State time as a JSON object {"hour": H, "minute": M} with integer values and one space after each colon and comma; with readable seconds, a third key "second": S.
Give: {"hour": 9, "minute": 41}
